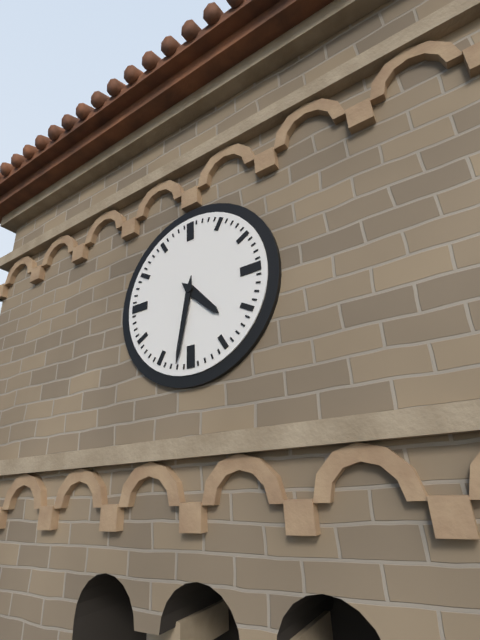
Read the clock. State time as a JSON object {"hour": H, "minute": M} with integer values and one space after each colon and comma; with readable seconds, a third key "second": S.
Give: {"hour": 4, "minute": 32}
